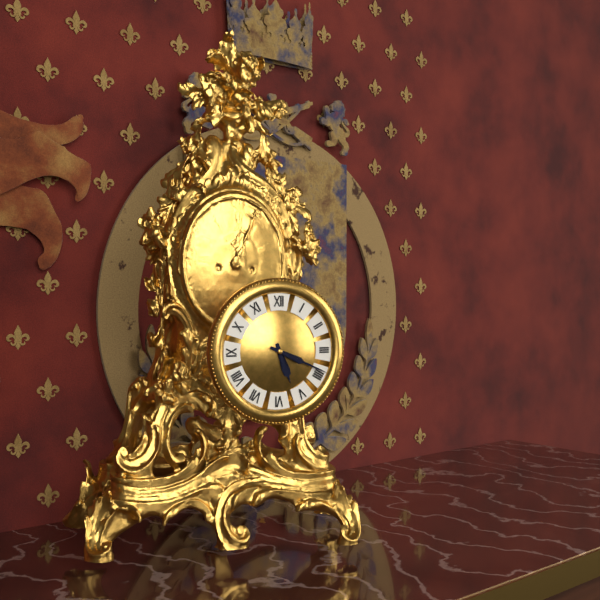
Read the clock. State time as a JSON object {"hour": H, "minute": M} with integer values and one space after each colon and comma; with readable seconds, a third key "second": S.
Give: {"hour": 5, "minute": 19}
